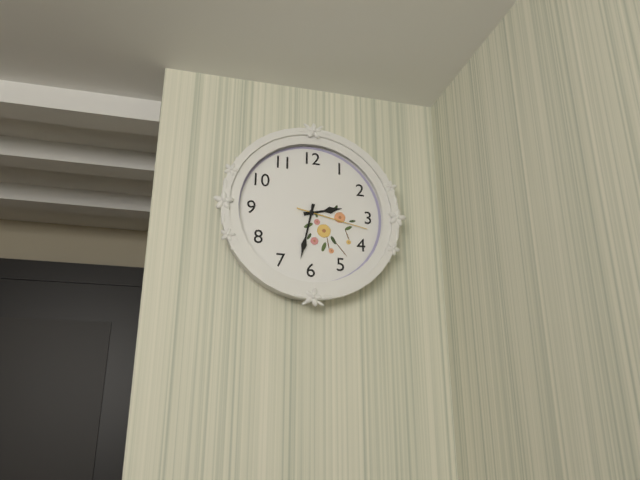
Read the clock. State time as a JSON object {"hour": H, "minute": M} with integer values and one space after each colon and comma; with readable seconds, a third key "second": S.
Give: {"hour": 2, "minute": 32, "second": 17}
